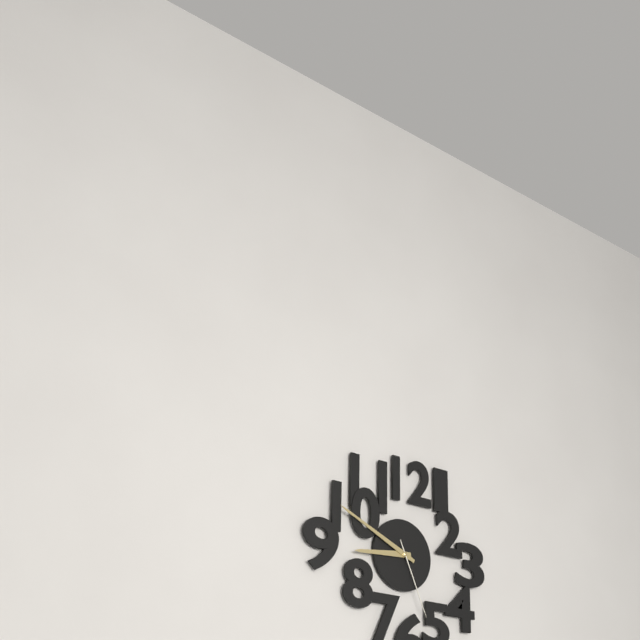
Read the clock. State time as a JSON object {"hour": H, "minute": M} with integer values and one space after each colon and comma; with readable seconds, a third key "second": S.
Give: {"hour": 8, "minute": 49, "second": 26}
